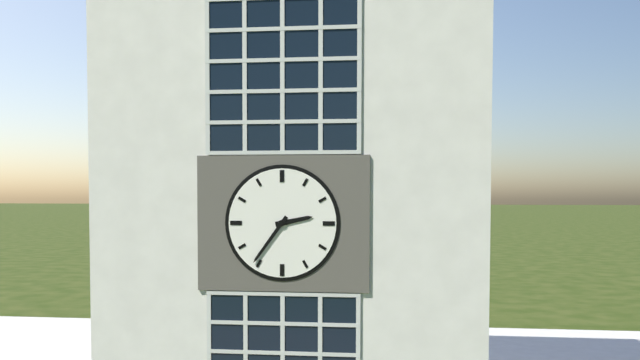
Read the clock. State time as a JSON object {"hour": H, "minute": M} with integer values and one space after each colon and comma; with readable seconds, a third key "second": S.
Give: {"hour": 2, "minute": 36}
